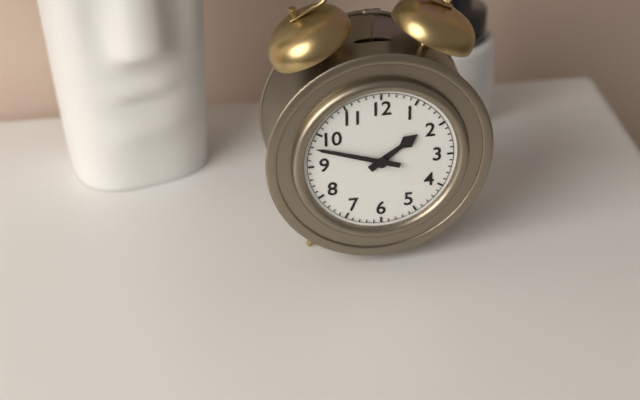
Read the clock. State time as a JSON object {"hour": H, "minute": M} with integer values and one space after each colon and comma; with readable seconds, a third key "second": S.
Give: {"hour": 1, "minute": 48}
